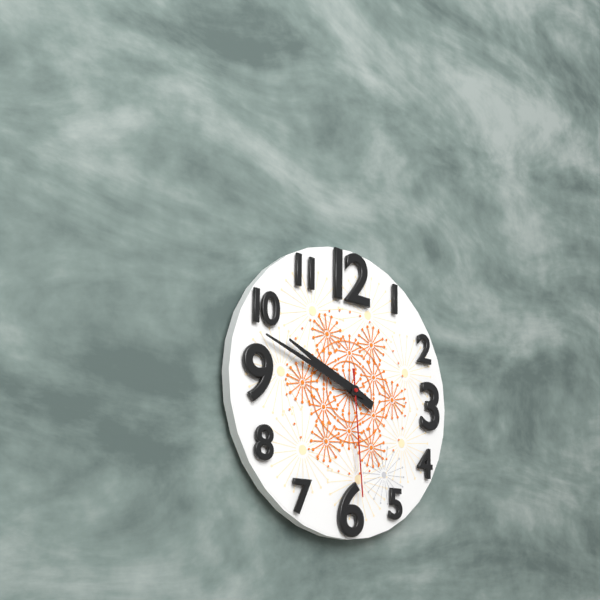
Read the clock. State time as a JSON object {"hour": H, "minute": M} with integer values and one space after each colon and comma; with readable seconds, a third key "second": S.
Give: {"hour": 9, "minute": 48, "second": 29}
